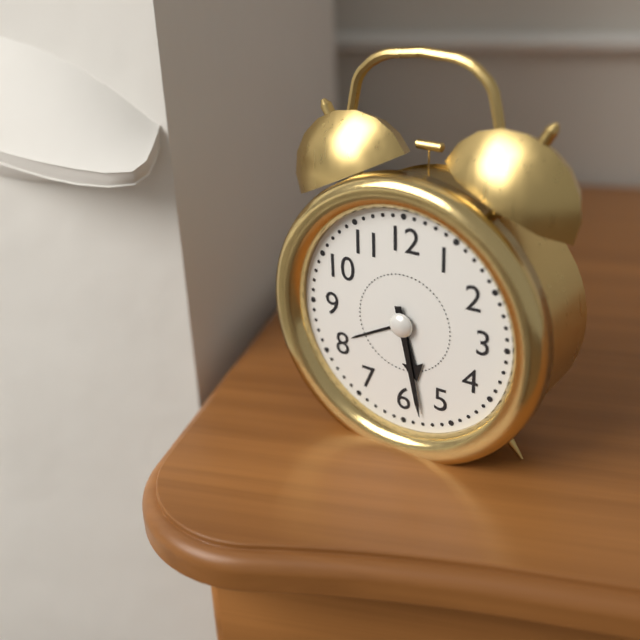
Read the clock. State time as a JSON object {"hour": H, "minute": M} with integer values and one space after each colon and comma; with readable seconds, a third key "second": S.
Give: {"hour": 5, "minute": 28}
